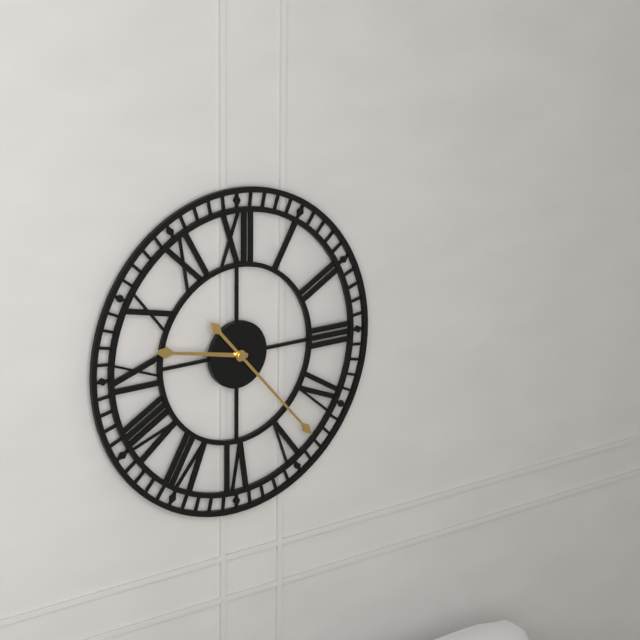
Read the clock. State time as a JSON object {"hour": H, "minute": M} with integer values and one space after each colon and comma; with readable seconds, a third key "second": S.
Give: {"hour": 9, "minute": 23}
